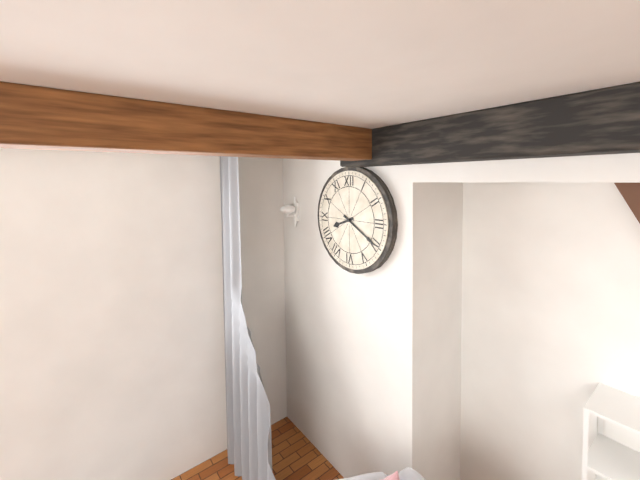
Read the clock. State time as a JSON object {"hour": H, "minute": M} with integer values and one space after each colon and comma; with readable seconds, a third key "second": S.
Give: {"hour": 8, "minute": 20}
